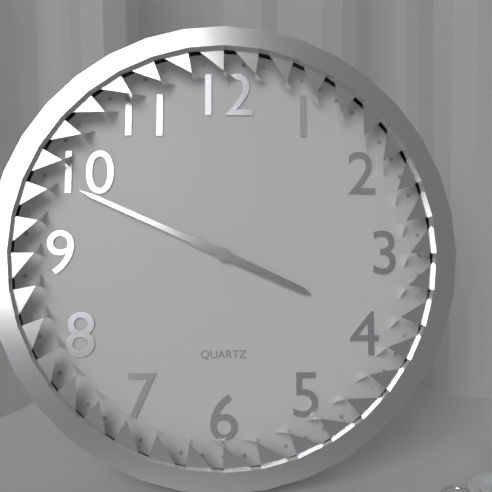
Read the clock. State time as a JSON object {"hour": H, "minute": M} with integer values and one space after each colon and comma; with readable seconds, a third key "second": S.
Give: {"hour": 3, "minute": 49}
